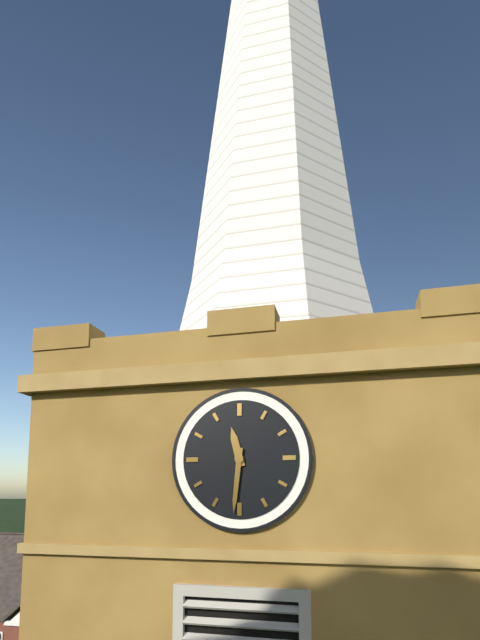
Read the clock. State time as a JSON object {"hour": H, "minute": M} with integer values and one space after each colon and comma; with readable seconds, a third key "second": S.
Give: {"hour": 11, "minute": 31}
